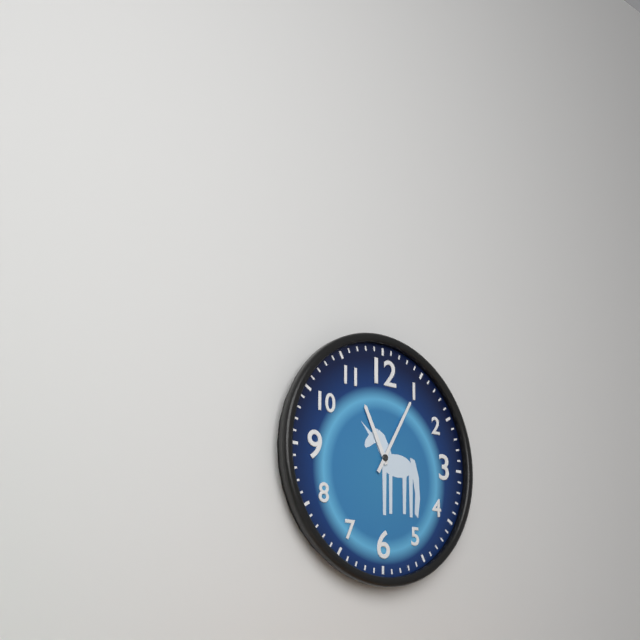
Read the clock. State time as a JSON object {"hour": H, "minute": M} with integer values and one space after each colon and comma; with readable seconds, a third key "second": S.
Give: {"hour": 11, "minute": 5}
